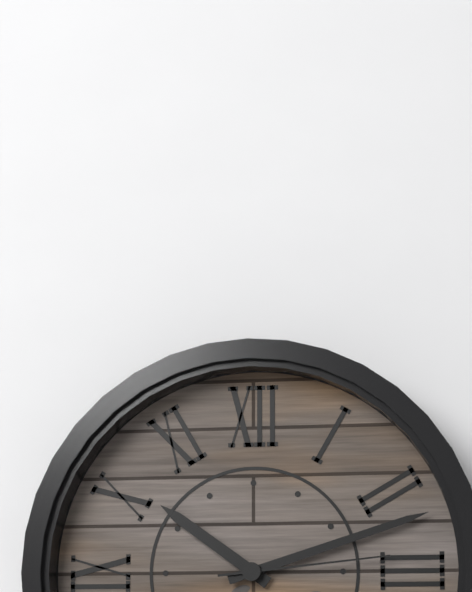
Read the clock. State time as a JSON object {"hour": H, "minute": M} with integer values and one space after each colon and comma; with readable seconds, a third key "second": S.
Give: {"hour": 10, "minute": 12, "second": 14}
